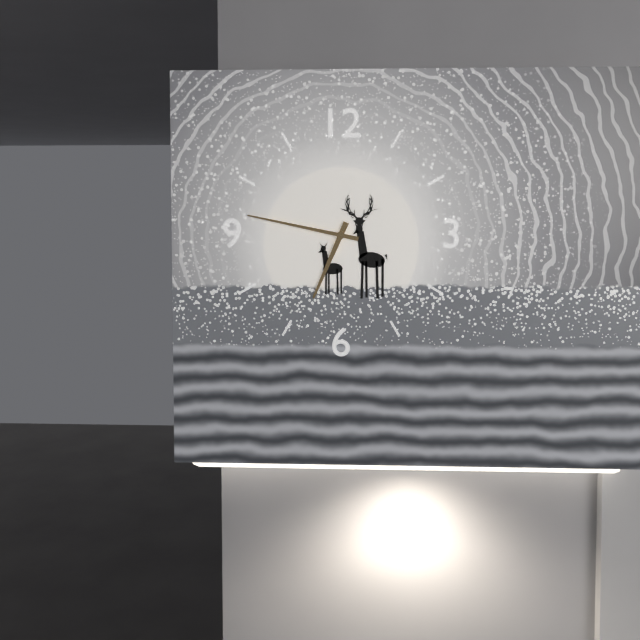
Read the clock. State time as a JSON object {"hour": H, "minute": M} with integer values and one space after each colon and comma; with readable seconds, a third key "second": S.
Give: {"hour": 6, "minute": 47}
